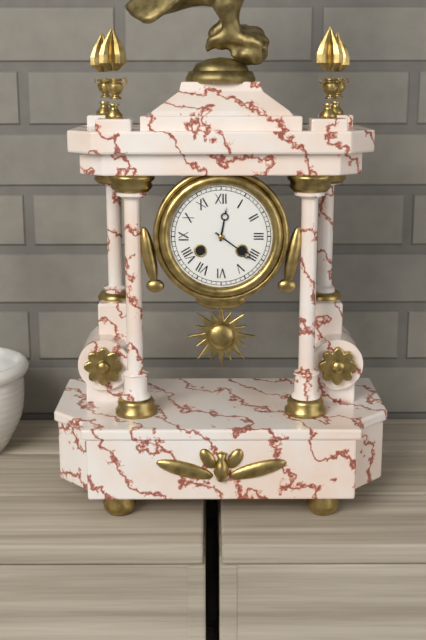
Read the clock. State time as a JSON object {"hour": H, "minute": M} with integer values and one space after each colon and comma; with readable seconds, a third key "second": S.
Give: {"hour": 12, "minute": 21}
